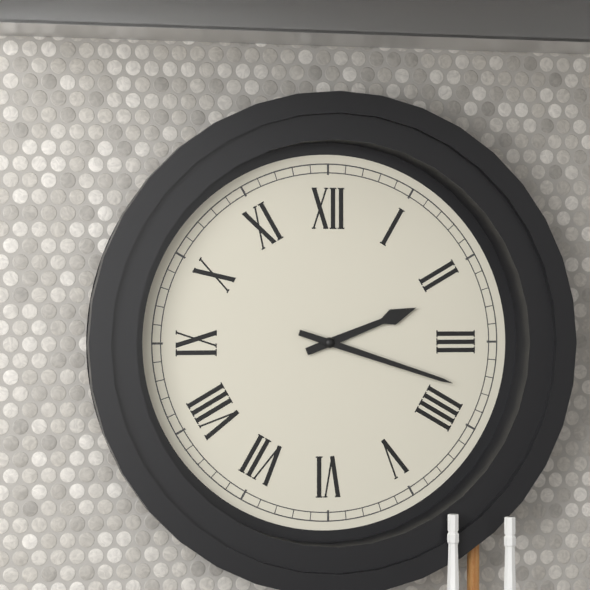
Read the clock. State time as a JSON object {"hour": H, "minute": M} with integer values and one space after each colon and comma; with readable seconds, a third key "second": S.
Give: {"hour": 2, "minute": 18}
